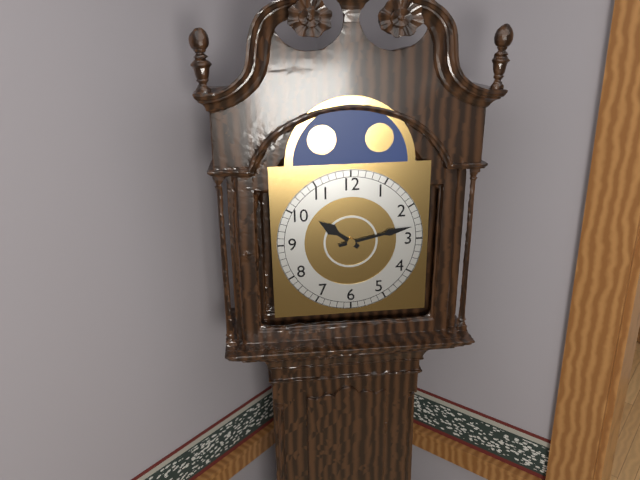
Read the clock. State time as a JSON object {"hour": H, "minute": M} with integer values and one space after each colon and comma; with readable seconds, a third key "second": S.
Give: {"hour": 10, "minute": 13}
